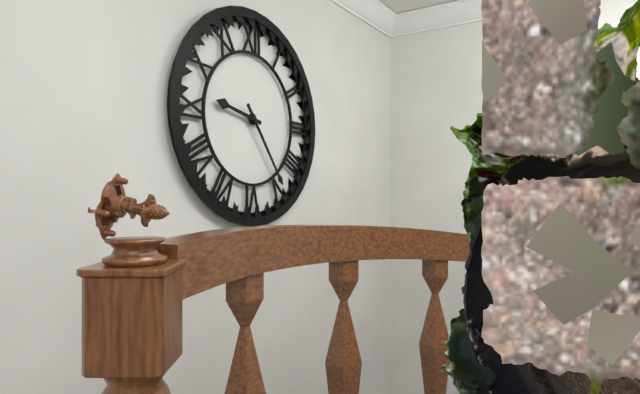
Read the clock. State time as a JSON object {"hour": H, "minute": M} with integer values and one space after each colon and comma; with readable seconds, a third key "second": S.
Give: {"hour": 9, "minute": 24}
